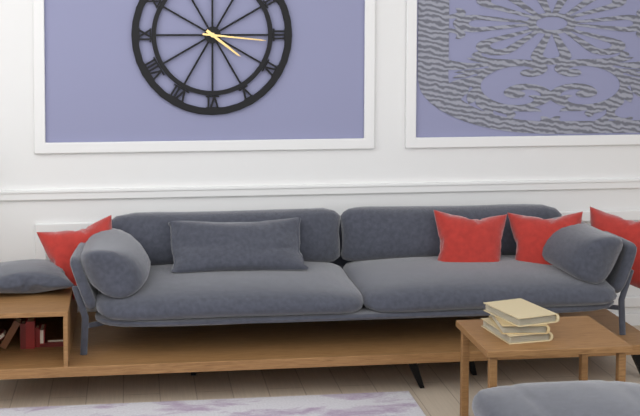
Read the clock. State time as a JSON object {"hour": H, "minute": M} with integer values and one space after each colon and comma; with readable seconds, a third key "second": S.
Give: {"hour": 4, "minute": 16}
